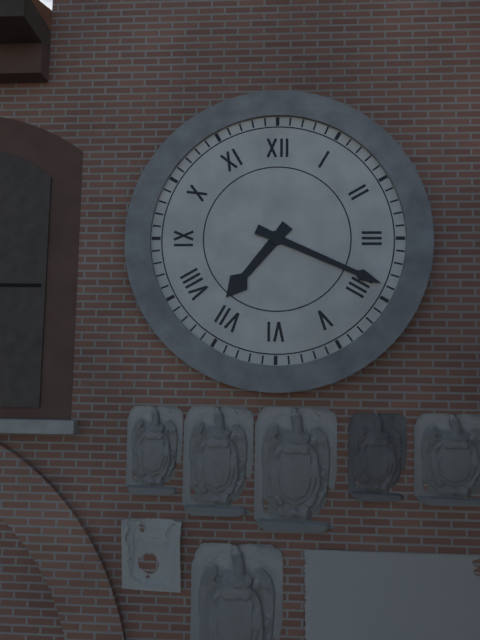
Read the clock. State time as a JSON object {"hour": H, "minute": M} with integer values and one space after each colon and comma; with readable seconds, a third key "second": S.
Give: {"hour": 7, "minute": 19}
